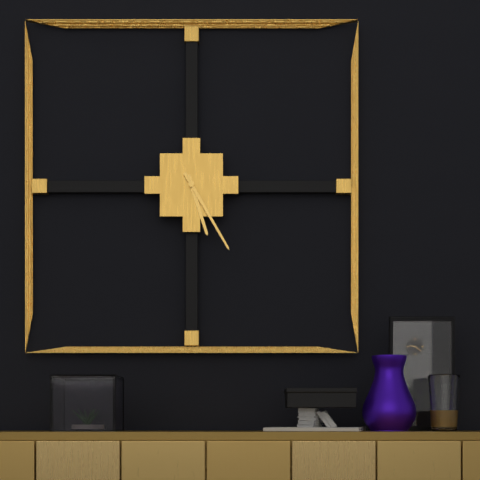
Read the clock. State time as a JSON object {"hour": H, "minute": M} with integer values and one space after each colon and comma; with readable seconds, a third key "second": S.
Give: {"hour": 5, "minute": 25}
